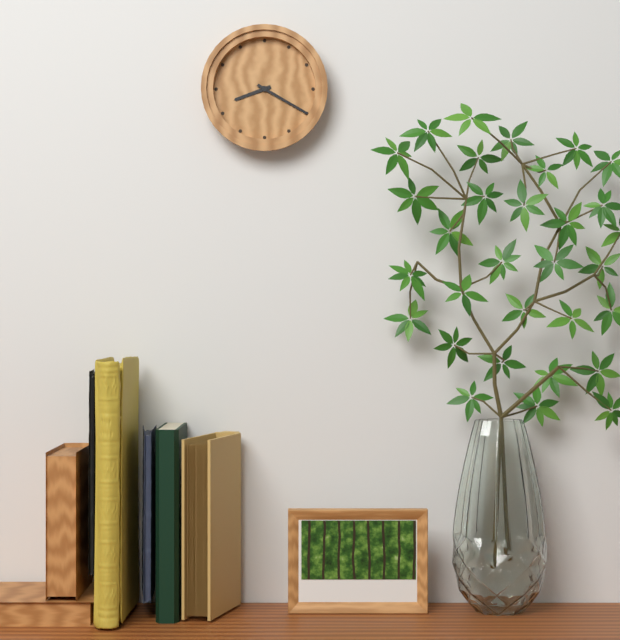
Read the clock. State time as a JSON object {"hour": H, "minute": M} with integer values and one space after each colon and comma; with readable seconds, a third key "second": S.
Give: {"hour": 8, "minute": 20}
